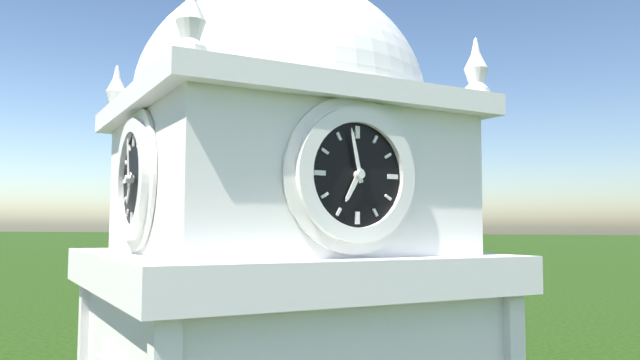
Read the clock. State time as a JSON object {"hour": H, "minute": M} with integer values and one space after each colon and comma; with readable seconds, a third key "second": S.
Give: {"hour": 6, "minute": 58}
